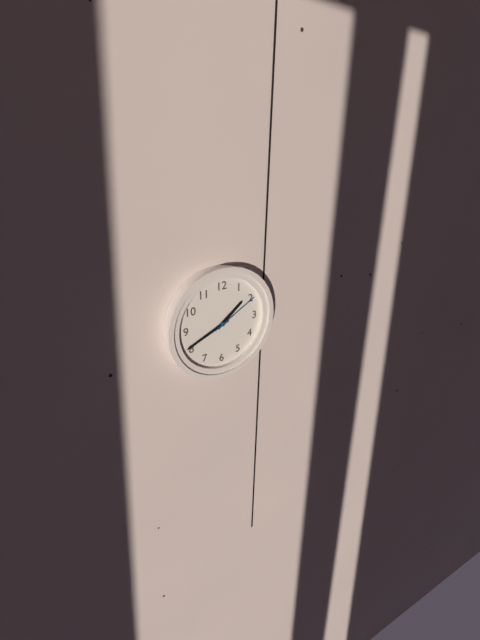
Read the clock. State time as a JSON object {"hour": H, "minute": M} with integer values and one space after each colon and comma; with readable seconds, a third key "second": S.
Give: {"hour": 1, "minute": 41, "second": 10}
